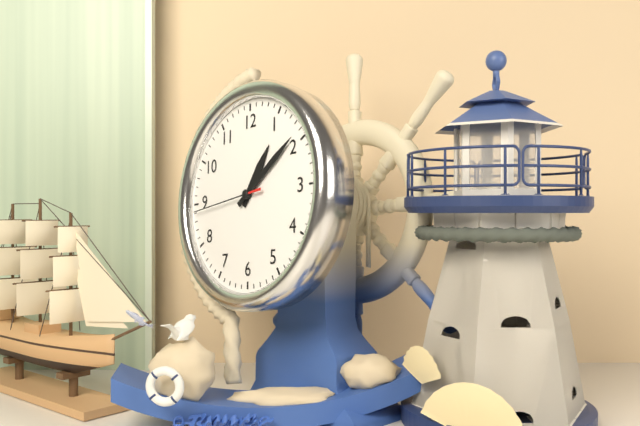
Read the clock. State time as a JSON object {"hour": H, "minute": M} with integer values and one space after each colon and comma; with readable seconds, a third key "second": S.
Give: {"hour": 1, "minute": 9, "second": 44}
